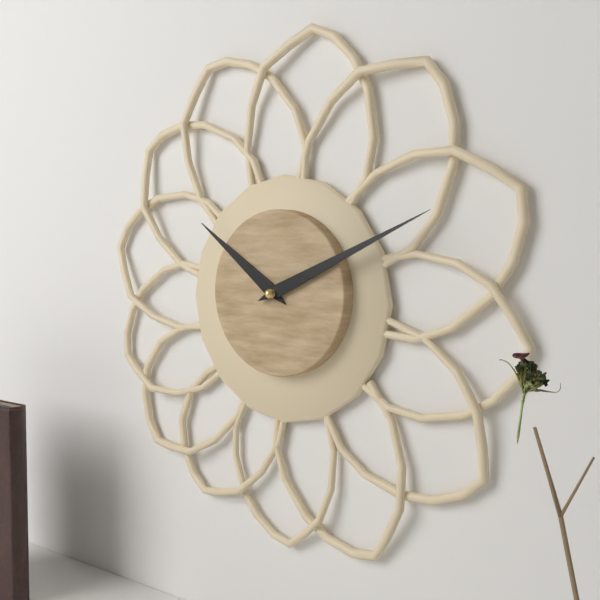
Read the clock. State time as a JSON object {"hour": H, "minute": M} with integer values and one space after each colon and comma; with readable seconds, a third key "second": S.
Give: {"hour": 10, "minute": 11}
